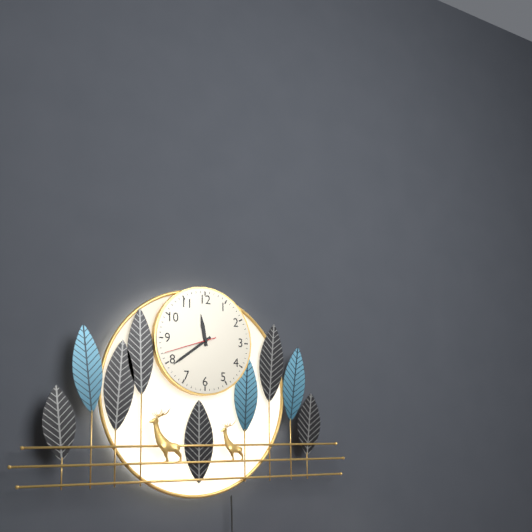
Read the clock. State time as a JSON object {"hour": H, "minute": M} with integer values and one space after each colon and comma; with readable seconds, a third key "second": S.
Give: {"hour": 11, "minute": 39, "second": 42}
